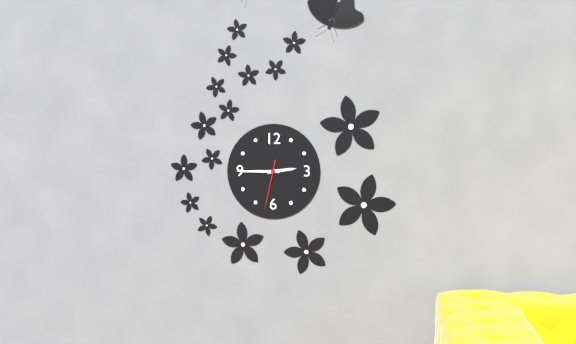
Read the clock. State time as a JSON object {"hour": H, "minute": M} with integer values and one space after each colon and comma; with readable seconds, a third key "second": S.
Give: {"hour": 2, "minute": 45, "second": 32}
